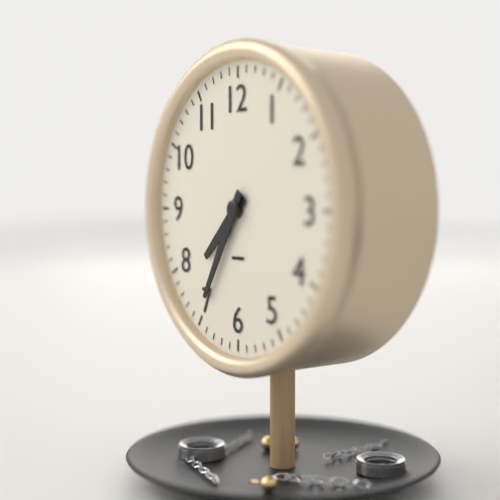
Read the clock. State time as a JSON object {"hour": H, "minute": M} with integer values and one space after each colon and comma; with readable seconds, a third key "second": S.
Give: {"hour": 7, "minute": 35}
